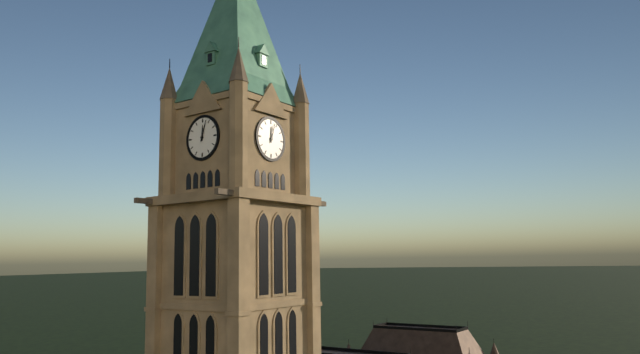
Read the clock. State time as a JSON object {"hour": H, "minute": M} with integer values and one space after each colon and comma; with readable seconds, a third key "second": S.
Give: {"hour": 12, "minute": 3}
